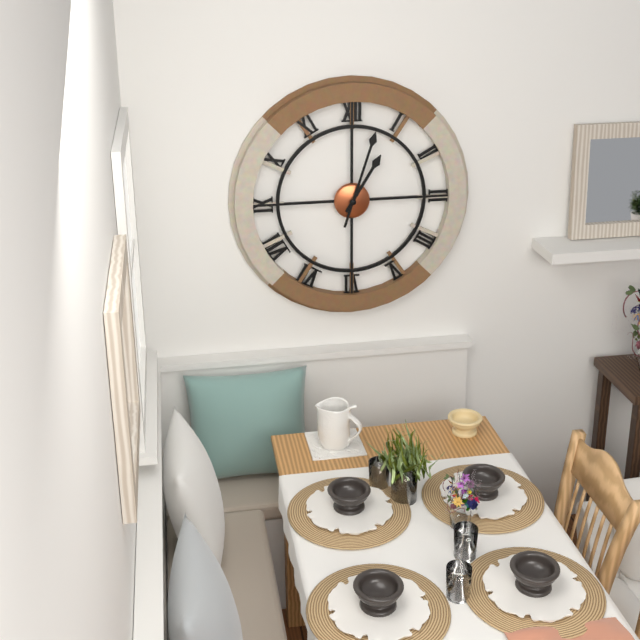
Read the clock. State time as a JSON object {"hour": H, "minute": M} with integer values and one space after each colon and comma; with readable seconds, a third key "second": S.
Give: {"hour": 1, "minute": 3}
